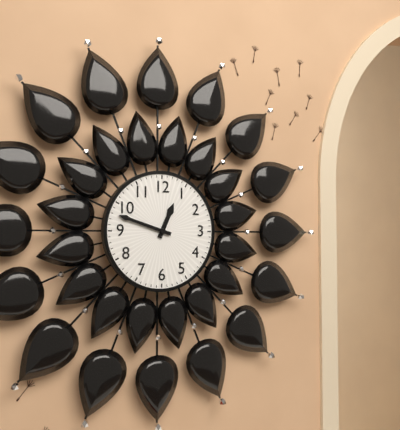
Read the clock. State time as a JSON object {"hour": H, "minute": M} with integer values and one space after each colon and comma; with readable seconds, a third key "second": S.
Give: {"hour": 12, "minute": 48}
